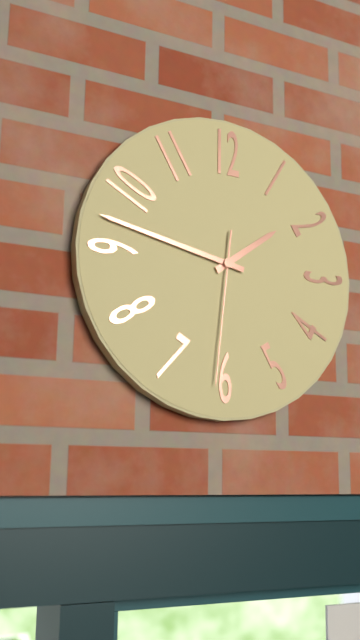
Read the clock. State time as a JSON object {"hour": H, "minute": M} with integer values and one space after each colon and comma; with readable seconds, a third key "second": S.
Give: {"hour": 1, "minute": 47, "second": 31}
